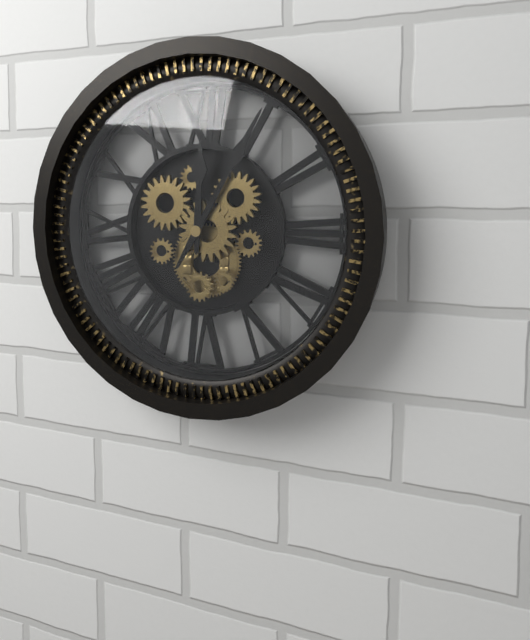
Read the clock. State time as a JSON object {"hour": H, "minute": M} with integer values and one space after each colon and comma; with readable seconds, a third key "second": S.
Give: {"hour": 12, "minute": 5}
